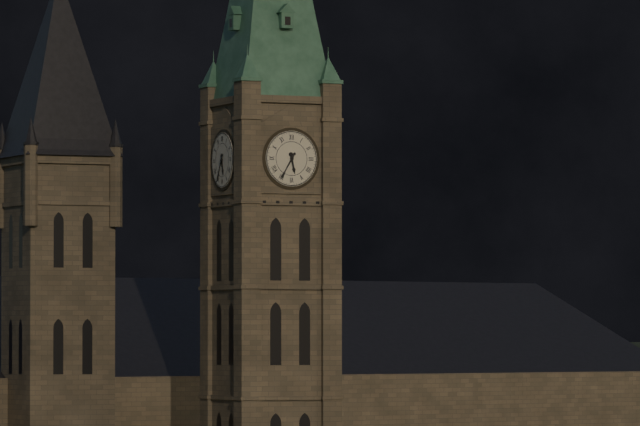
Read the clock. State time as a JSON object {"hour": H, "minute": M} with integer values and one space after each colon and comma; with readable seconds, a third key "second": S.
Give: {"hour": 5, "minute": 35}
